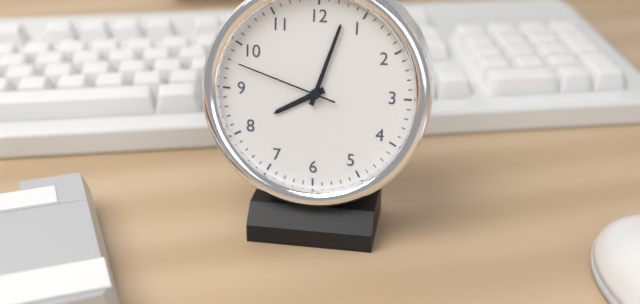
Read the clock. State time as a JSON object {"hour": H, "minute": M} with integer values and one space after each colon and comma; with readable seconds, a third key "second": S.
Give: {"hour": 8, "minute": 3, "second": 48}
